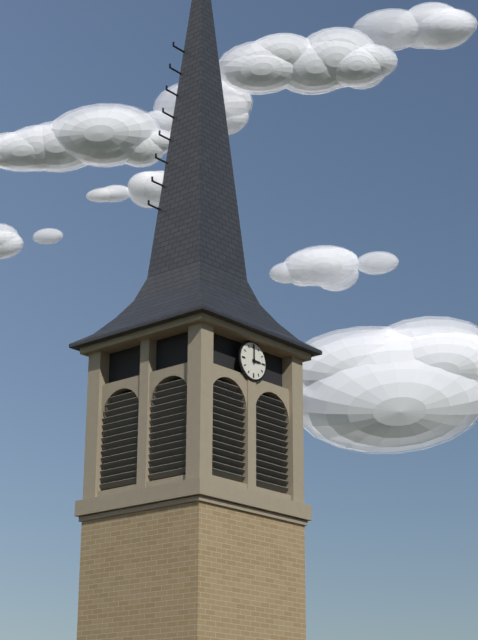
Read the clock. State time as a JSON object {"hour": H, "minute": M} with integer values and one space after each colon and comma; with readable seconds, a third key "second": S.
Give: {"hour": 3, "minute": 0}
